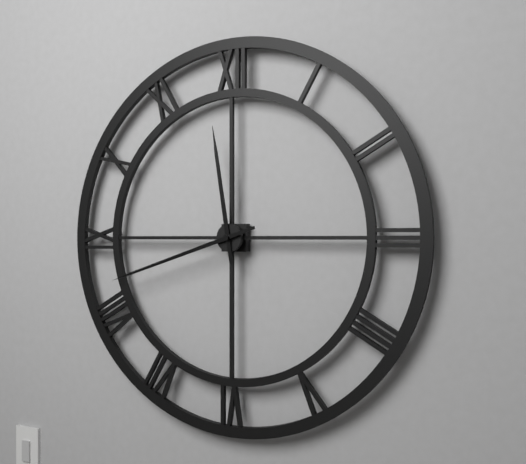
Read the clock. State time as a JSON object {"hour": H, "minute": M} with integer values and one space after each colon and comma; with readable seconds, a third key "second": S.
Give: {"hour": 11, "minute": 42}
